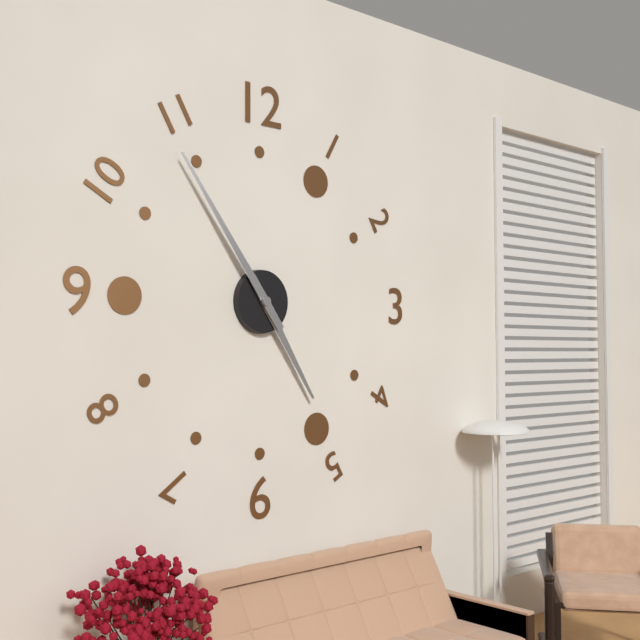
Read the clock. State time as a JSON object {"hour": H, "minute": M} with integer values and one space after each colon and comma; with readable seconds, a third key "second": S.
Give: {"hour": 4, "minute": 54}
